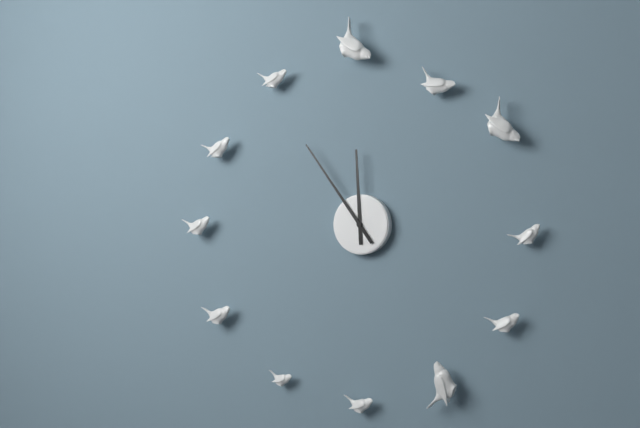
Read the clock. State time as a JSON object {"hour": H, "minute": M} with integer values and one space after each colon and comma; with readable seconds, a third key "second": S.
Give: {"hour": 11, "minute": 54}
